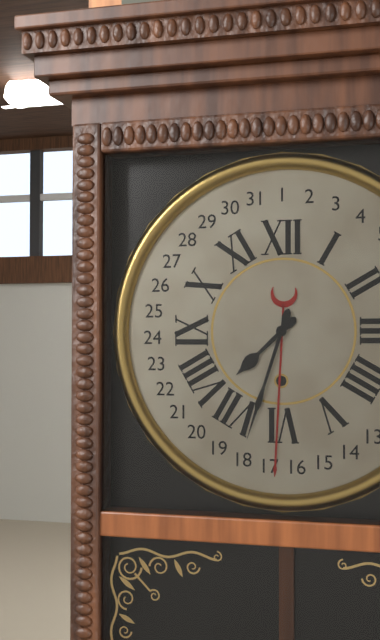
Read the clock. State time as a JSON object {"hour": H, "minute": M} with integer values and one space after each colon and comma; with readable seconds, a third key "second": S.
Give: {"hour": 7, "minute": 33}
